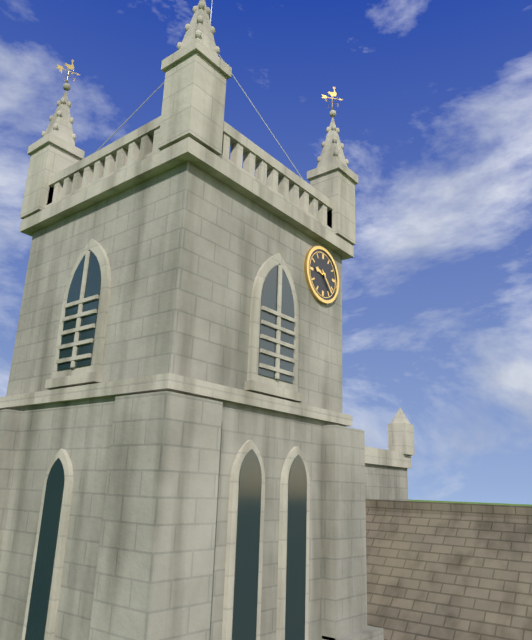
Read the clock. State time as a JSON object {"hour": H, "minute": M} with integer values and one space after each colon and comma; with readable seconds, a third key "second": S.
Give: {"hour": 9, "minute": 23}
